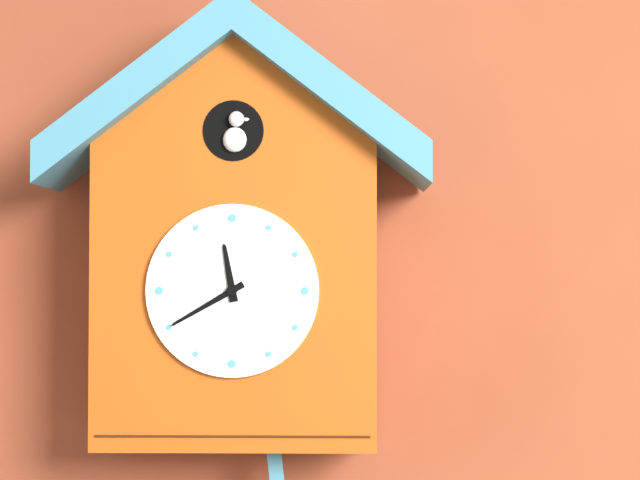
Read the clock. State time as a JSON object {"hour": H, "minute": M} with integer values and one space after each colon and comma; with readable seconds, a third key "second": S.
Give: {"hour": 11, "minute": 40}
